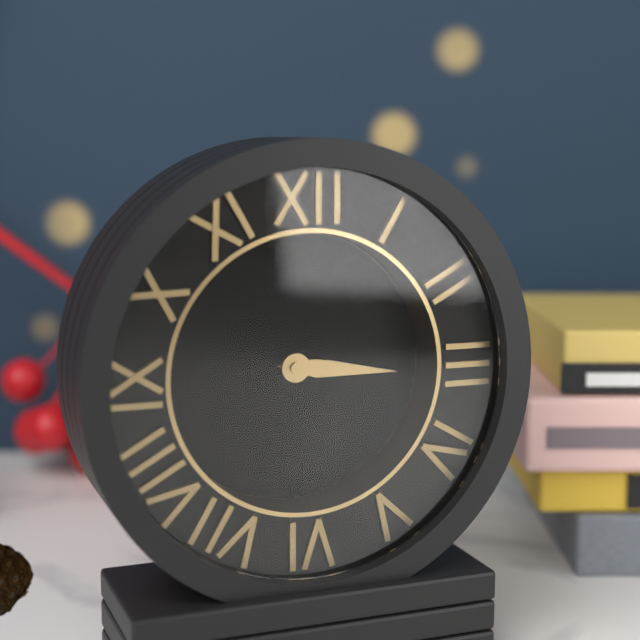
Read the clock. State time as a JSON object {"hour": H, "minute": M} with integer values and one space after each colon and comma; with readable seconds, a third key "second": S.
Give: {"hour": 3, "minute": 16}
